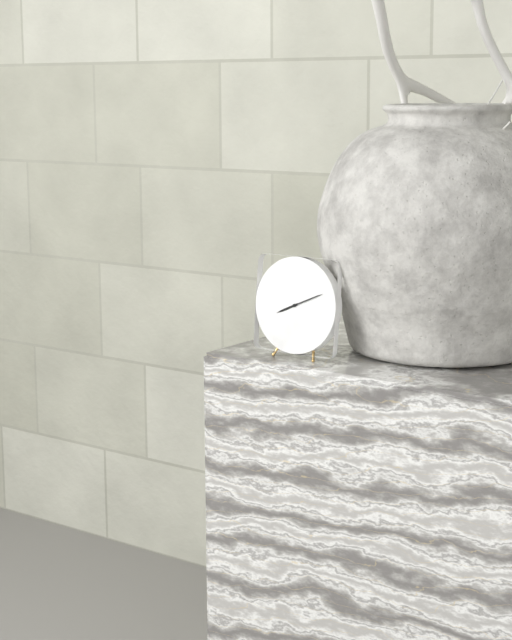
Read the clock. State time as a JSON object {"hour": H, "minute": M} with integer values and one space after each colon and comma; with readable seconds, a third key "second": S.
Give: {"hour": 8, "minute": 11}
